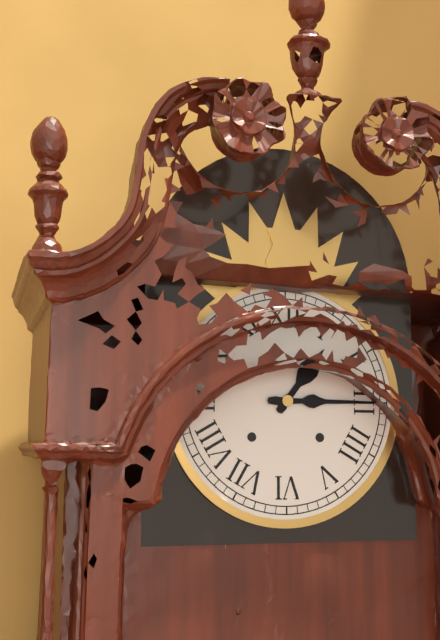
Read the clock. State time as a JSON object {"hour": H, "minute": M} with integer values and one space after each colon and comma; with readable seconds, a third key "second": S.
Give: {"hour": 1, "minute": 15}
